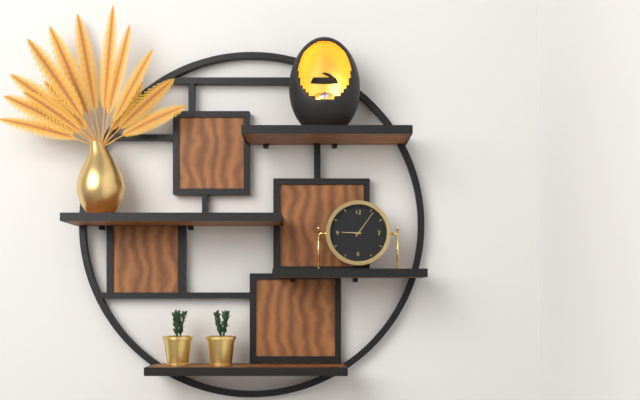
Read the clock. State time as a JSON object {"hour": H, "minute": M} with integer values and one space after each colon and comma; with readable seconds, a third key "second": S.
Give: {"hour": 9, "minute": 6}
